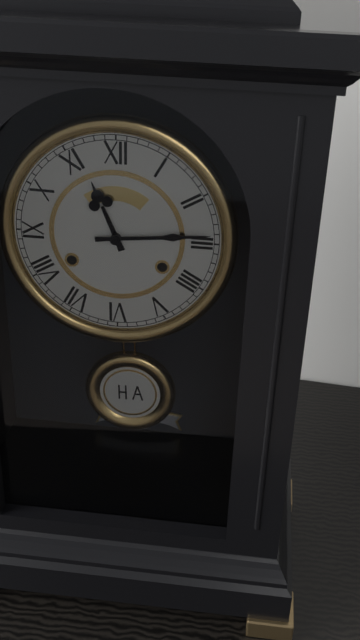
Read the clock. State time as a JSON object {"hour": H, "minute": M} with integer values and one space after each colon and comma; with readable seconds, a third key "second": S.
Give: {"hour": 11, "minute": 14}
